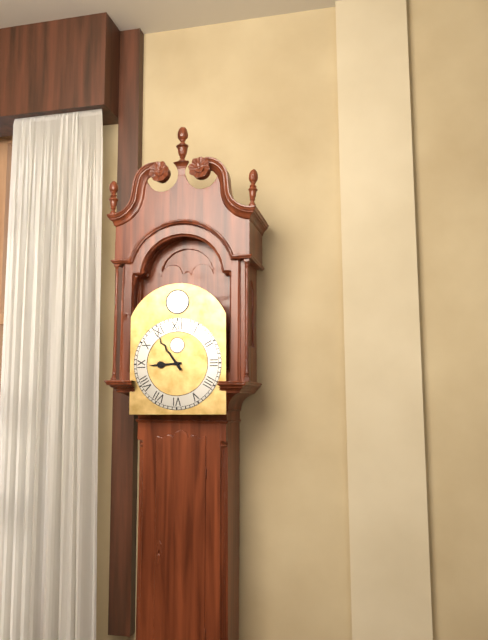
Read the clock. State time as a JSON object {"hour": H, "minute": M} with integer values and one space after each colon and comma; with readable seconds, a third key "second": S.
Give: {"hour": 8, "minute": 54}
